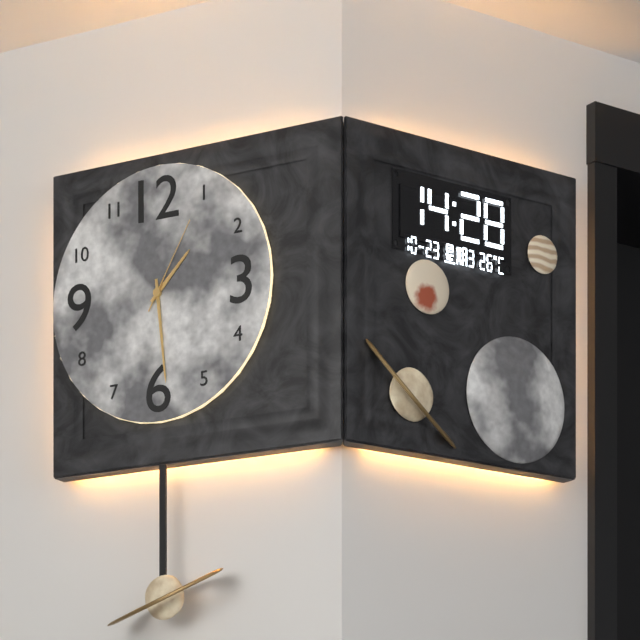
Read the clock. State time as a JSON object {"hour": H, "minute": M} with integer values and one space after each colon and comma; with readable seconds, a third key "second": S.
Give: {"hour": 1, "minute": 29, "second": 5}
